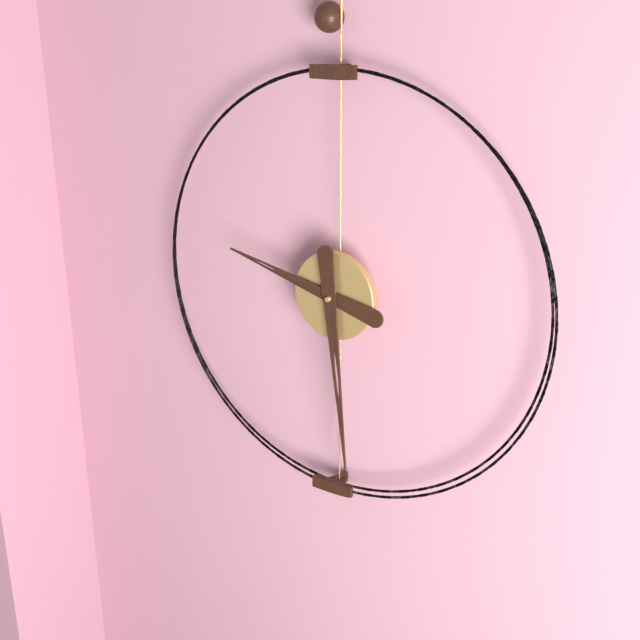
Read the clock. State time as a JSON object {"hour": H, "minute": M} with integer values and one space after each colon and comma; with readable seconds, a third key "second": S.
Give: {"hour": 9, "minute": 29}
